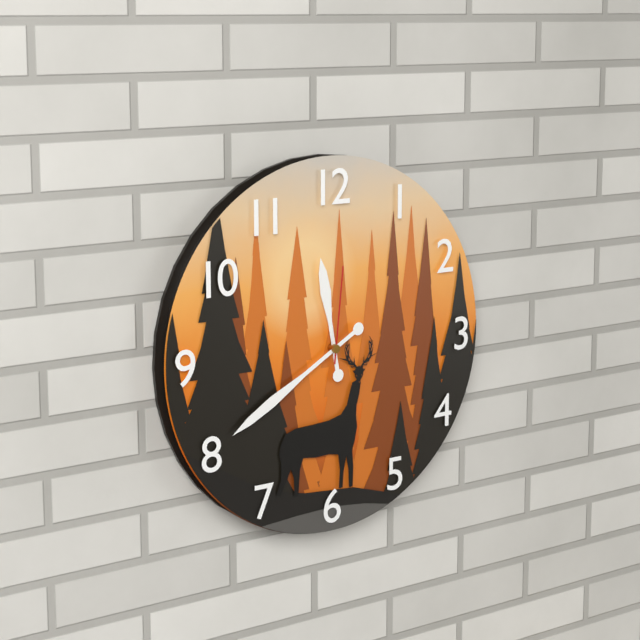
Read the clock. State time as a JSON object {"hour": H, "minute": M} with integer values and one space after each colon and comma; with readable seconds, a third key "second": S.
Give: {"hour": 11, "minute": 40, "second": 1}
